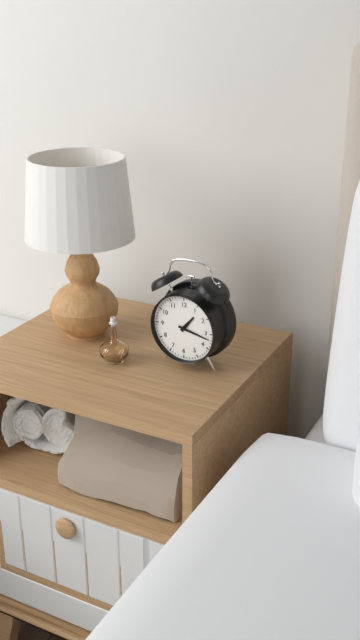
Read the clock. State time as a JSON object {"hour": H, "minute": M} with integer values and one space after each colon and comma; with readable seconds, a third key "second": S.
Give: {"hour": 1, "minute": 17}
